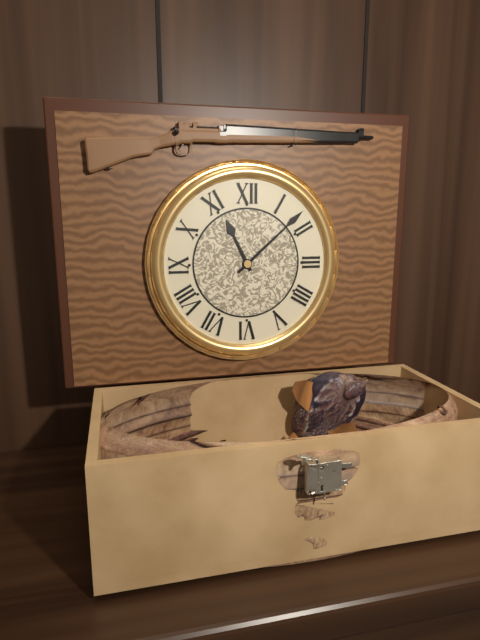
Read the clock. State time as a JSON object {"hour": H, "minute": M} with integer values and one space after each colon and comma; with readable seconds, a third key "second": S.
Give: {"hour": 11, "minute": 8}
